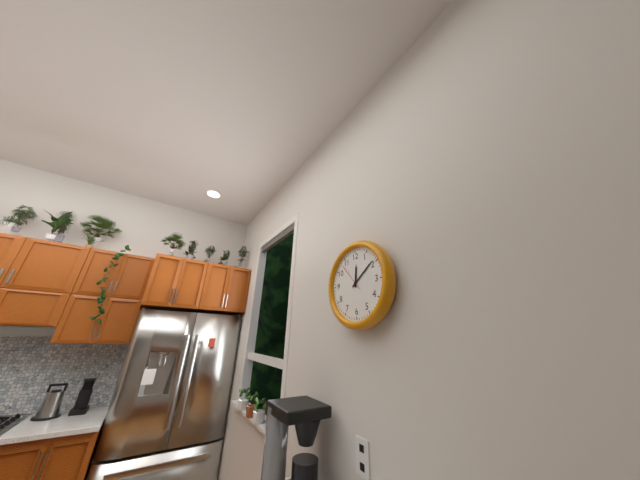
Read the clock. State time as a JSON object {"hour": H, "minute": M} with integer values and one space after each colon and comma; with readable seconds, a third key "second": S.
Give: {"hour": 12, "minute": 9}
